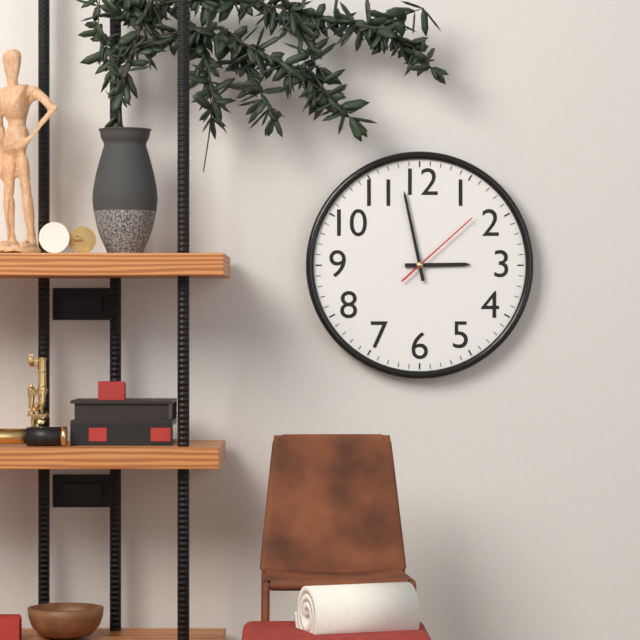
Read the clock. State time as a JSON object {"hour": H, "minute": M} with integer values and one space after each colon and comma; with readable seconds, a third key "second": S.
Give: {"hour": 2, "minute": 58, "second": 8}
